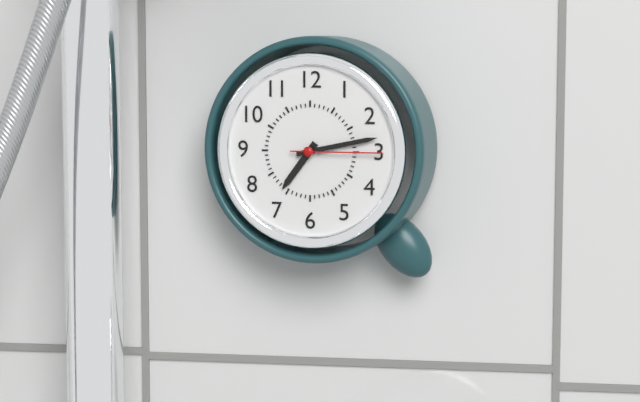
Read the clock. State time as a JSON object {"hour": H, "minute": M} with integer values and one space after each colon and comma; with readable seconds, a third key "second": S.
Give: {"hour": 7, "minute": 13, "second": 15}
